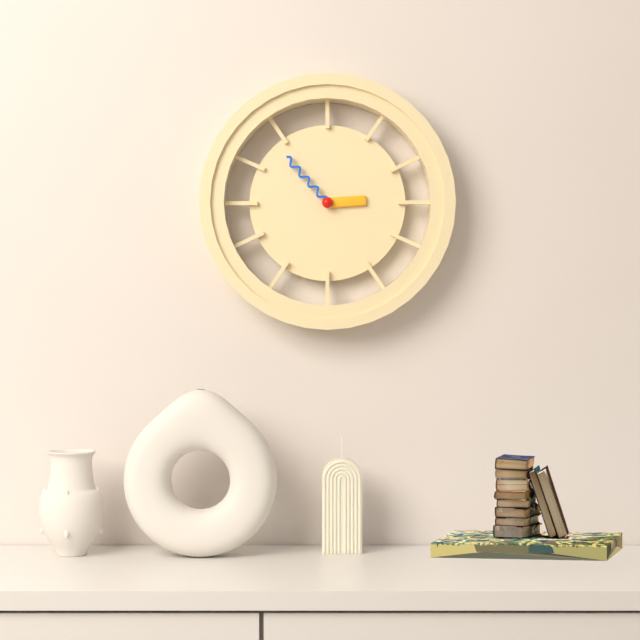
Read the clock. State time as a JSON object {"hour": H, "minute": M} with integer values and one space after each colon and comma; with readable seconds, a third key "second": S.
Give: {"hour": 2, "minute": 53}
